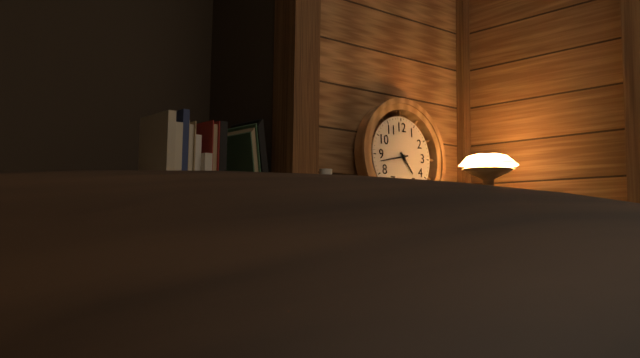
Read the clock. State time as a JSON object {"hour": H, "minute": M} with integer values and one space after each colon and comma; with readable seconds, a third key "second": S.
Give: {"hour": 4, "minute": 43}
